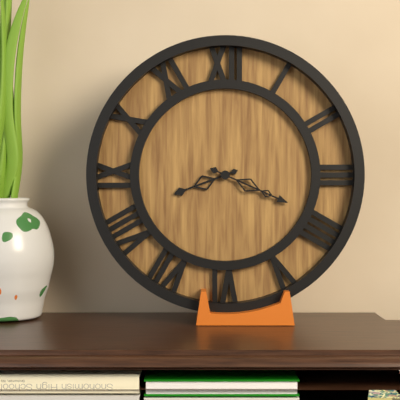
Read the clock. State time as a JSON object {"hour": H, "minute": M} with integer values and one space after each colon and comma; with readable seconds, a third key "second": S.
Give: {"hour": 8, "minute": 19}
